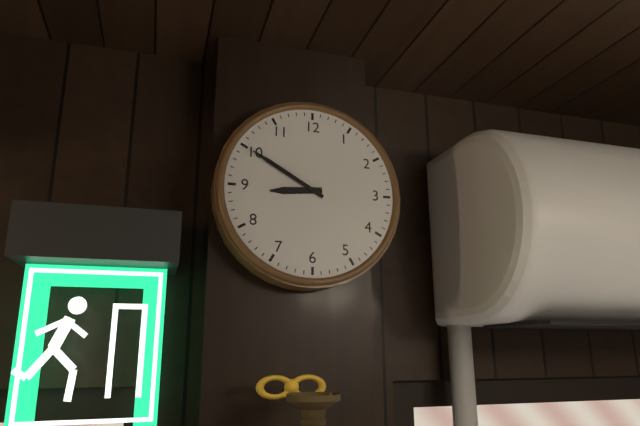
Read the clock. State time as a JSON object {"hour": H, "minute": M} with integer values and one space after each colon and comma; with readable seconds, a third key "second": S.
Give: {"hour": 8, "minute": 50}
